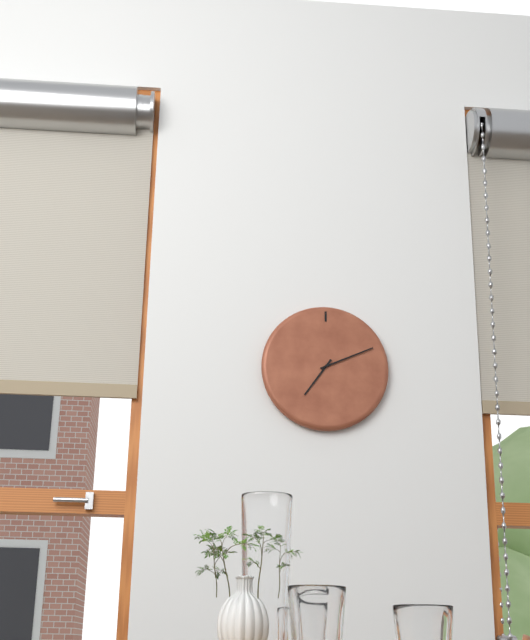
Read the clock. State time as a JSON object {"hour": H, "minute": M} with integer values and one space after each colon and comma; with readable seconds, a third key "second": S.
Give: {"hour": 7, "minute": 11}
